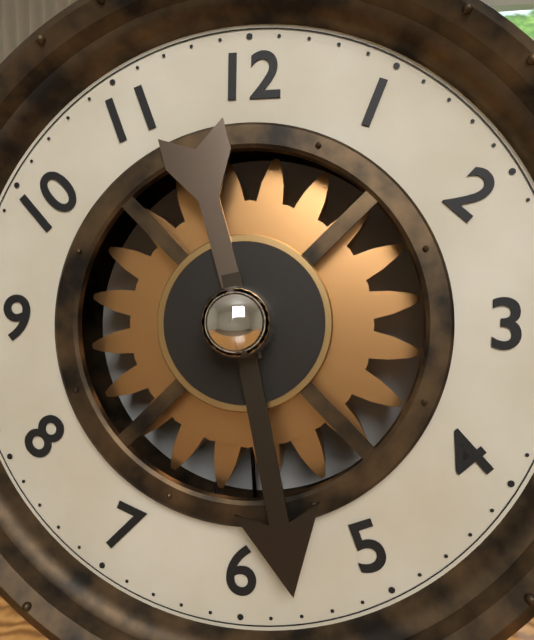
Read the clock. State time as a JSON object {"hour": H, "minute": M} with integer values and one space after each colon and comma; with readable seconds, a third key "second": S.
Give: {"hour": 11, "minute": 28}
